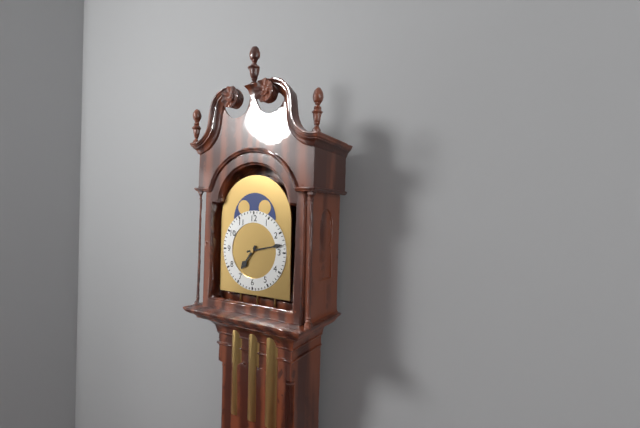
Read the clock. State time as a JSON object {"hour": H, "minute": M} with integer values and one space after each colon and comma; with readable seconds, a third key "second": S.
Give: {"hour": 7, "minute": 13}
